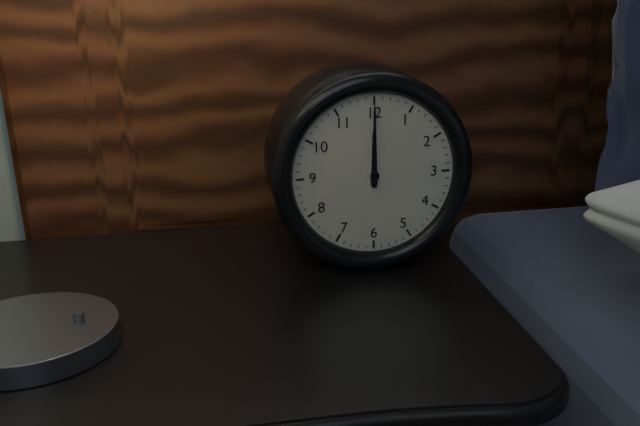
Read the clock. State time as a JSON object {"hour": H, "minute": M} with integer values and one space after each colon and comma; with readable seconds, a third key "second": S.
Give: {"hour": 12, "minute": 0}
